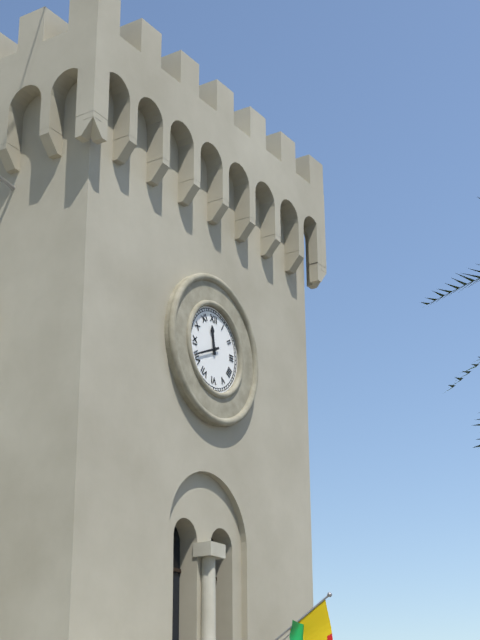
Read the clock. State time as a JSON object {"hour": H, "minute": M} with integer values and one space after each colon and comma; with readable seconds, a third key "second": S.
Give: {"hour": 11, "minute": 41}
